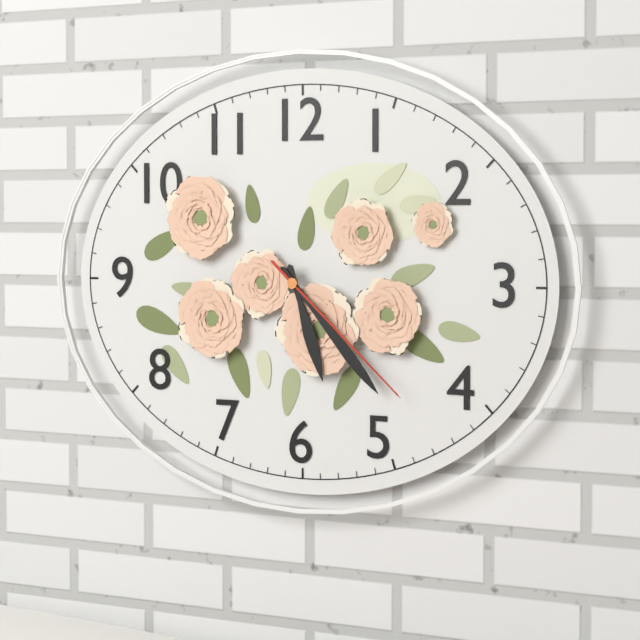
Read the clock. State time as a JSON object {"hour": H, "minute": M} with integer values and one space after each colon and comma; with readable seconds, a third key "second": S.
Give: {"hour": 5, "minute": 23, "second": 22}
